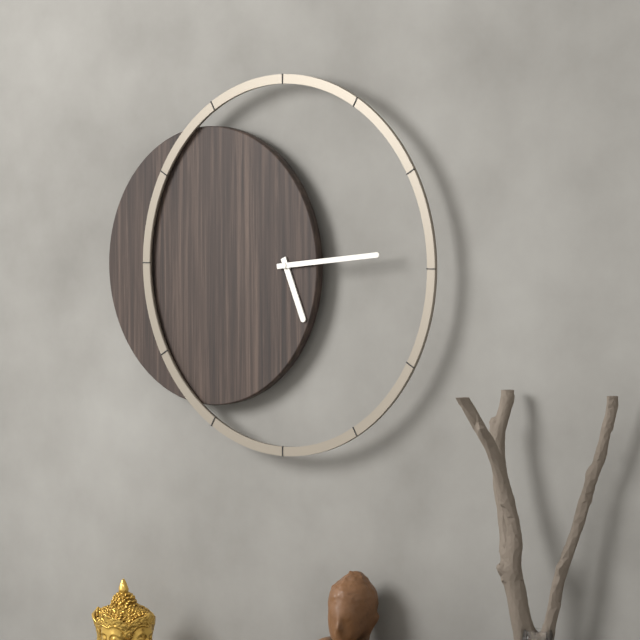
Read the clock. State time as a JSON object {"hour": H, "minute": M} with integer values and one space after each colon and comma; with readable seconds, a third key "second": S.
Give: {"hour": 5, "minute": 14}
